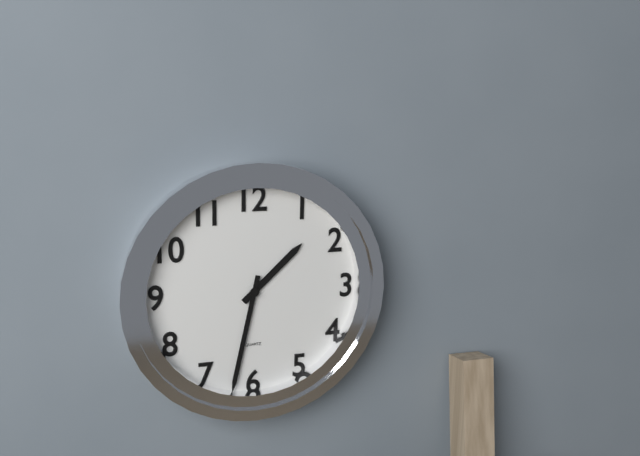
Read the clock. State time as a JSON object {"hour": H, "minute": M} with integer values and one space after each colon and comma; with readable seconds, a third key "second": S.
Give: {"hour": 1, "minute": 32}
